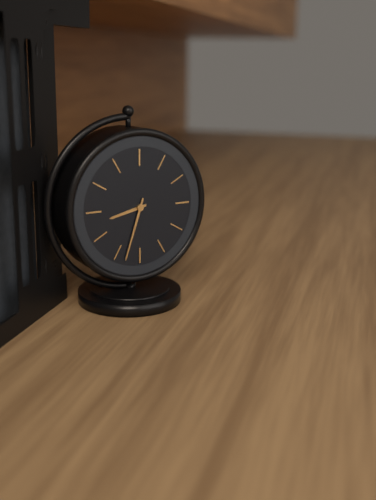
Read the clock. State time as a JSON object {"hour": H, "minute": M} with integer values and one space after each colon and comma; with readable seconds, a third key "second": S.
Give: {"hour": 8, "minute": 33}
